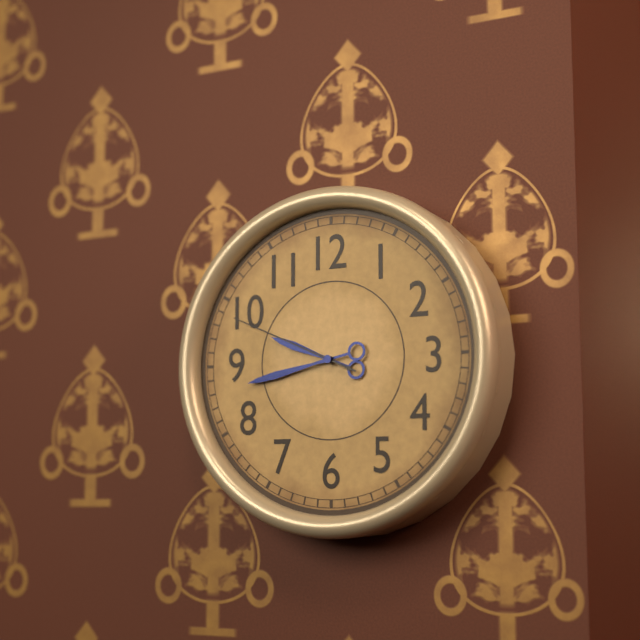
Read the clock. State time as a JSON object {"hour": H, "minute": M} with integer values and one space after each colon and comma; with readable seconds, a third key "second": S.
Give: {"hour": 9, "minute": 43, "second": 49}
